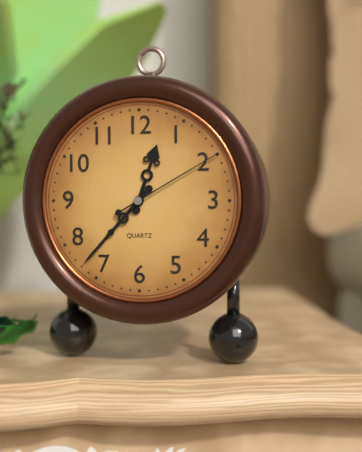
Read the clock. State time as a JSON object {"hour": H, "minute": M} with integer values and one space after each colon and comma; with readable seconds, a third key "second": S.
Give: {"hour": 12, "minute": 37, "second": 10}
